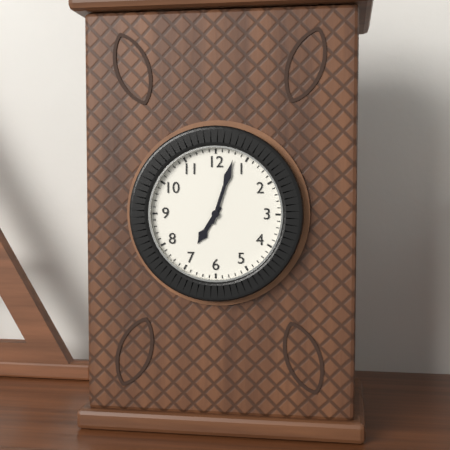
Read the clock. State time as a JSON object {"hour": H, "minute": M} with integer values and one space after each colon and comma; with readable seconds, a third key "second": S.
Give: {"hour": 7, "minute": 3}
